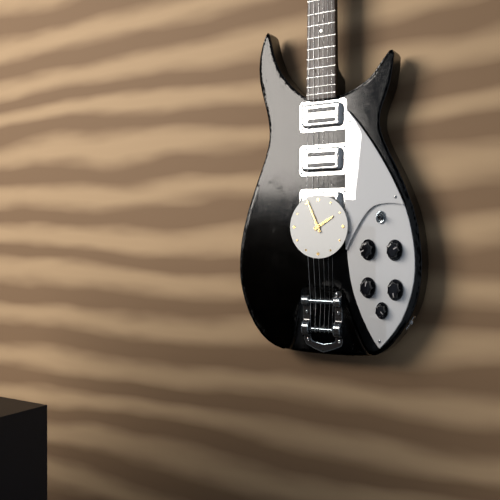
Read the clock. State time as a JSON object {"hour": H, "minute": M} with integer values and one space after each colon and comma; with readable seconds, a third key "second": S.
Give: {"hour": 1, "minute": 56}
